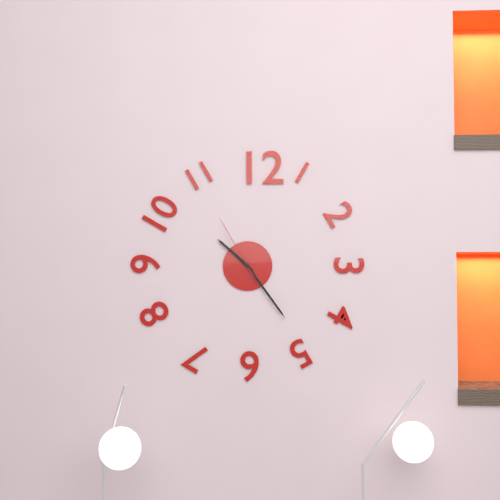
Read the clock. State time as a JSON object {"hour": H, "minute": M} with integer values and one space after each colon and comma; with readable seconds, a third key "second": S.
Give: {"hour": 10, "minute": 24, "second": 55}
